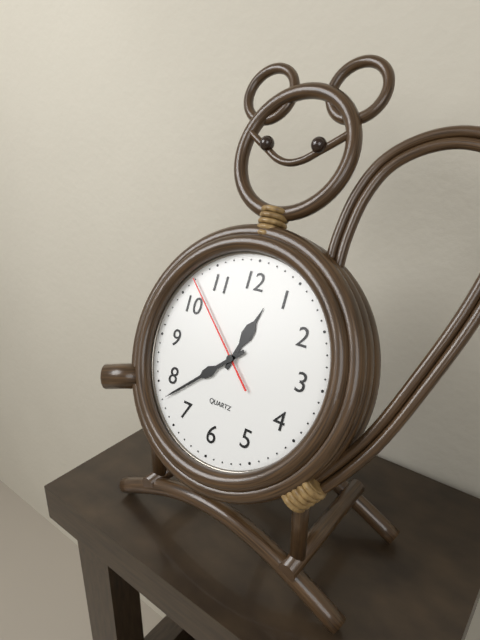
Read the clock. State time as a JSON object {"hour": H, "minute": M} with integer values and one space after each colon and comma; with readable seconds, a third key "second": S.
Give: {"hour": 12, "minute": 38, "second": 52}
